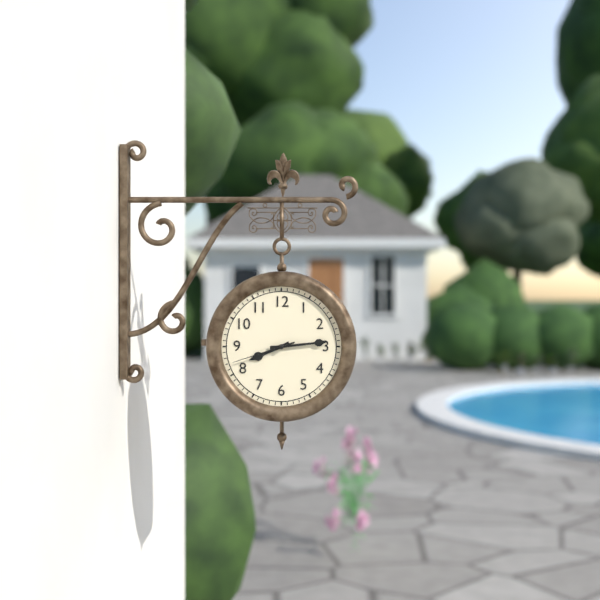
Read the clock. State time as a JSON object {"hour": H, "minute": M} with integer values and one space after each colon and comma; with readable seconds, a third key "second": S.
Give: {"hour": 8, "minute": 14, "second": 42}
